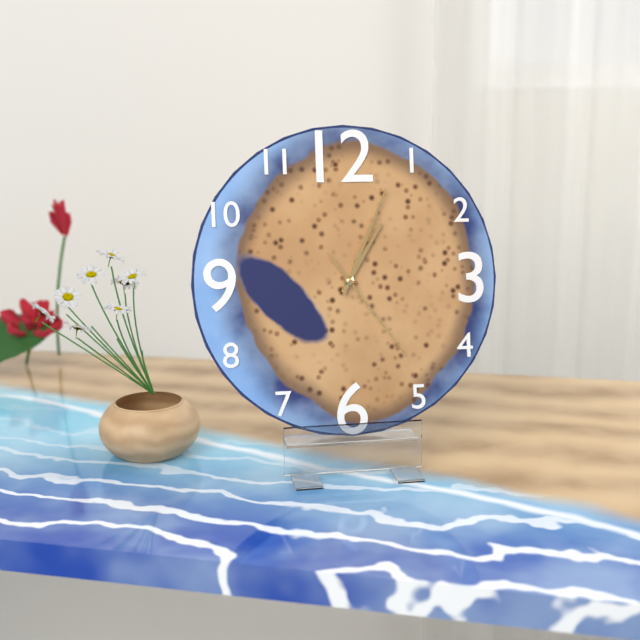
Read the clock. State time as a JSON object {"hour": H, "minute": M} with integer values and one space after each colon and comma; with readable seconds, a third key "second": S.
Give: {"hour": 1, "minute": 4, "second": 24}
